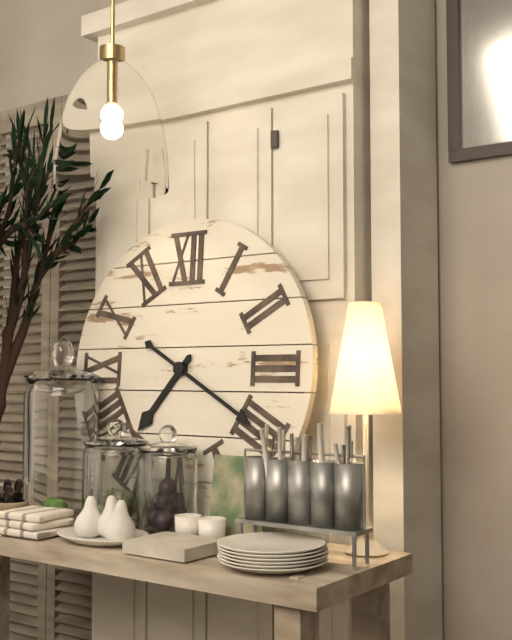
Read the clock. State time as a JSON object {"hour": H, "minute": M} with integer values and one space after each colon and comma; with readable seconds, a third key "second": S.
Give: {"hour": 7, "minute": 20}
